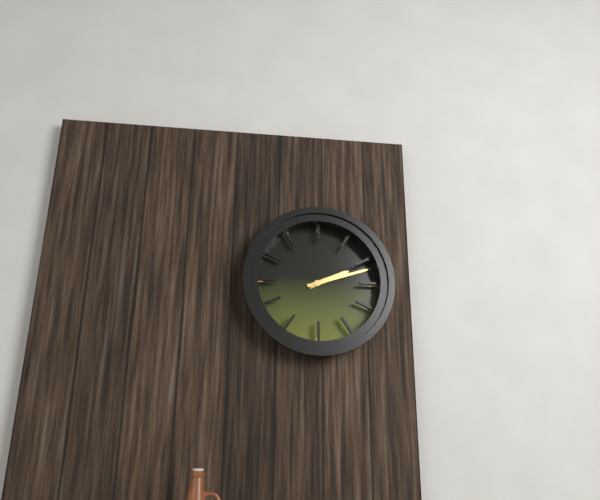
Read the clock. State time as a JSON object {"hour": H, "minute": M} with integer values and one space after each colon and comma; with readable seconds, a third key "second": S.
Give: {"hour": 2, "minute": 12}
